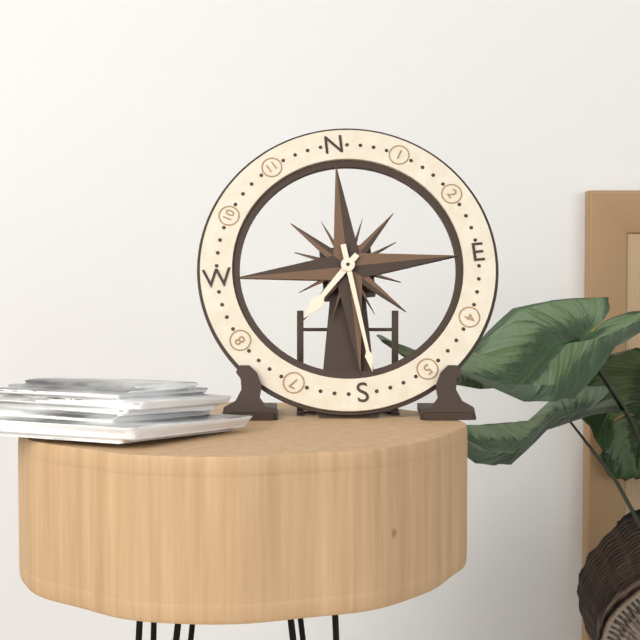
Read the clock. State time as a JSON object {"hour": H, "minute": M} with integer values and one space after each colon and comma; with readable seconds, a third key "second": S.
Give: {"hour": 7, "minute": 29}
